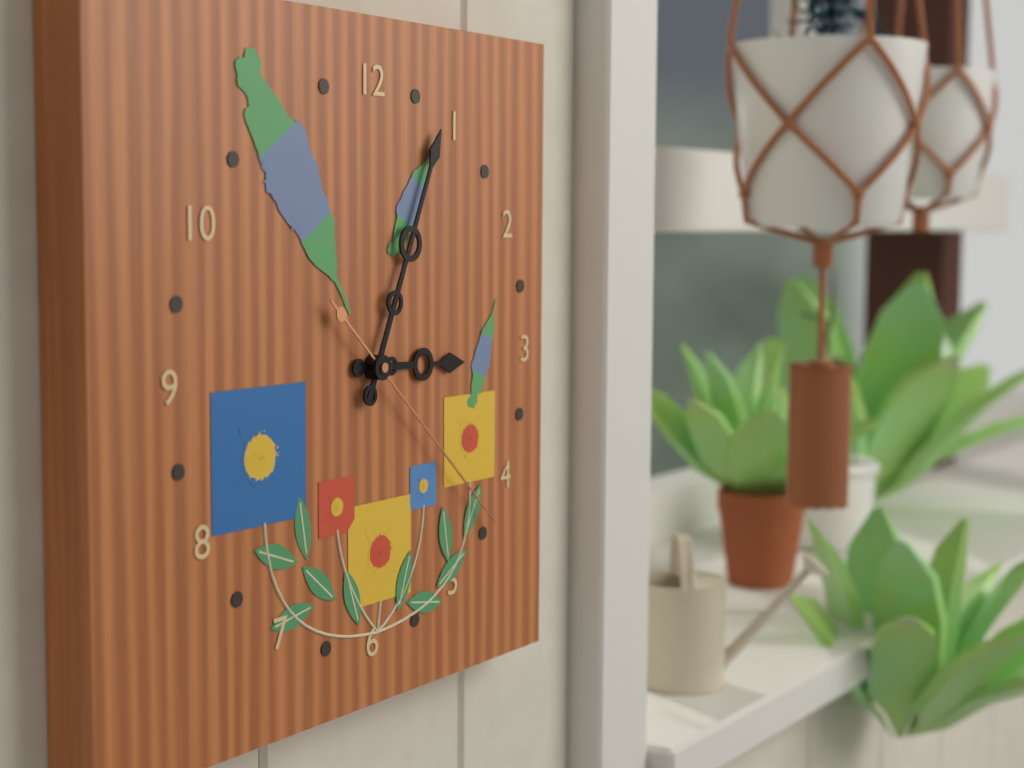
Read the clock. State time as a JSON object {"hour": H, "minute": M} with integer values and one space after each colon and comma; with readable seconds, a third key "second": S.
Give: {"hour": 3, "minute": 4, "second": 22}
